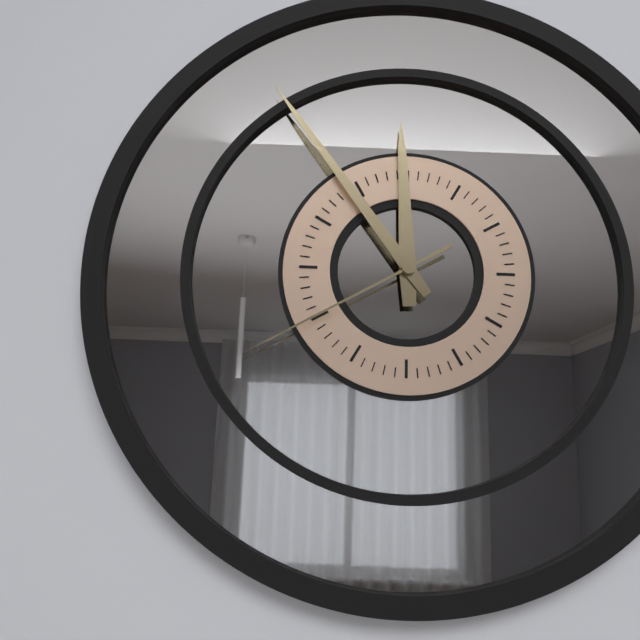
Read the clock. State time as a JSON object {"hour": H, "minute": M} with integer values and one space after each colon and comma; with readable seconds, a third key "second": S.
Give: {"hour": 11, "minute": 54, "second": 40}
